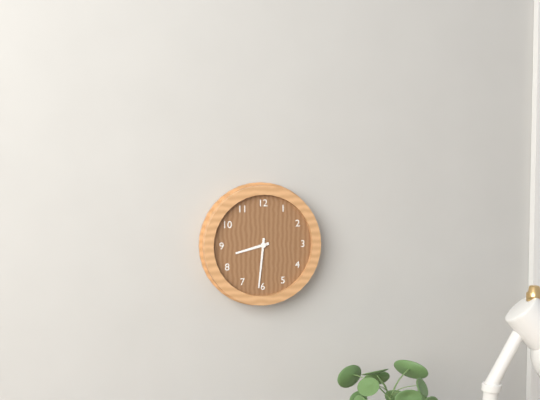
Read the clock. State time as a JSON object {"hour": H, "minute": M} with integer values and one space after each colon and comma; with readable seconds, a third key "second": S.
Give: {"hour": 8, "minute": 31}
